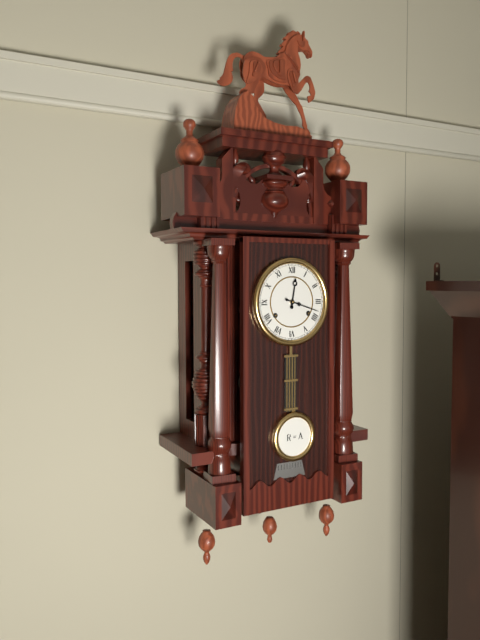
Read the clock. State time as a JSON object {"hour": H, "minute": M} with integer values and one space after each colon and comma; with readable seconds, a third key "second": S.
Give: {"hour": 12, "minute": 18}
